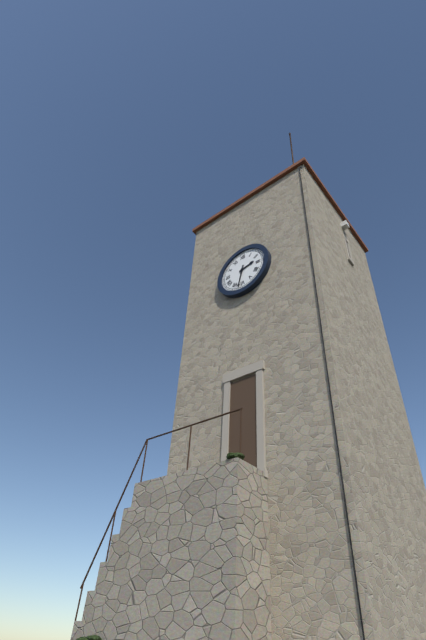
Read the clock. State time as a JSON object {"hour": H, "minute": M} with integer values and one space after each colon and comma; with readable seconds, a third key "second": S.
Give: {"hour": 2, "minute": 32}
